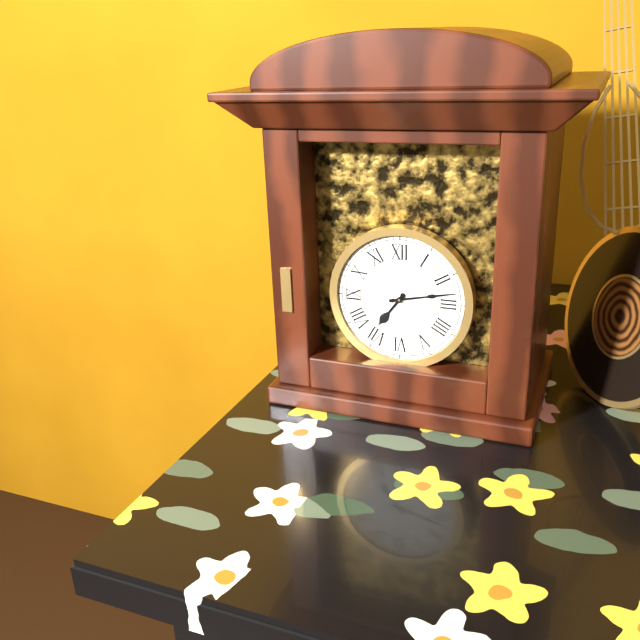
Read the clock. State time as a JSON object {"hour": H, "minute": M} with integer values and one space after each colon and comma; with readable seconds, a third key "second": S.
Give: {"hour": 7, "minute": 13}
